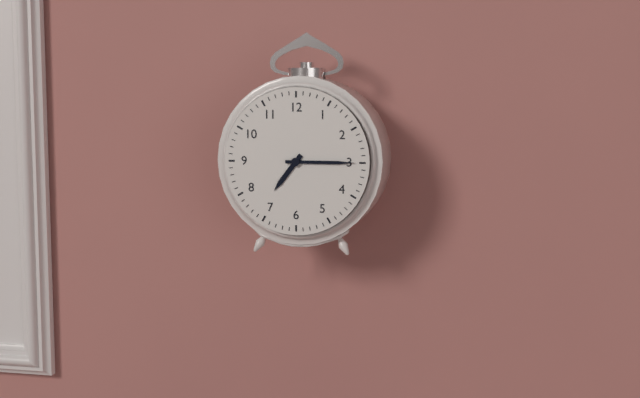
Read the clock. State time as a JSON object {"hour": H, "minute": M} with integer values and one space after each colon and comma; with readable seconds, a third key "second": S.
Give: {"hour": 7, "minute": 15}
